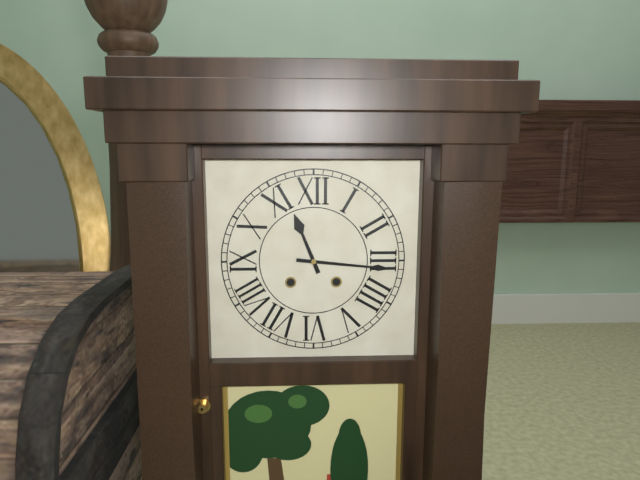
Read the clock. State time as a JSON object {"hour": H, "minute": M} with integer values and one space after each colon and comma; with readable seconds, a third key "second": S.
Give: {"hour": 11, "minute": 16}
